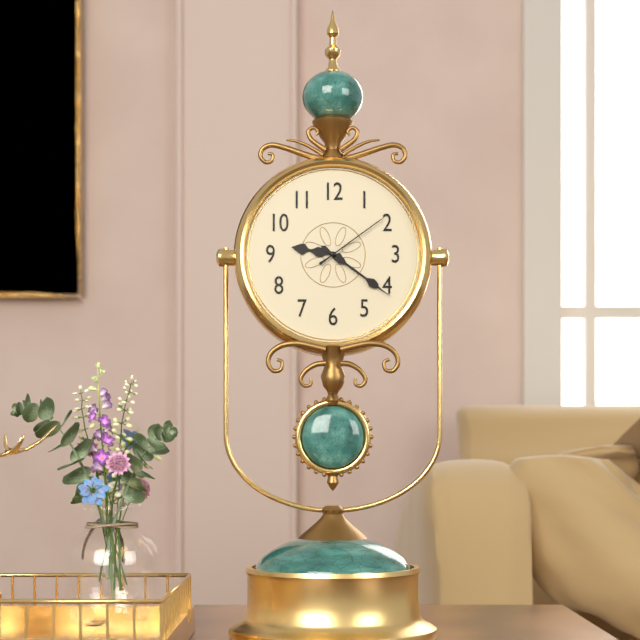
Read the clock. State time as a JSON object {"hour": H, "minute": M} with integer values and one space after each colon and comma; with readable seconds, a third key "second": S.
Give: {"hour": 9, "minute": 21, "second": 9}
